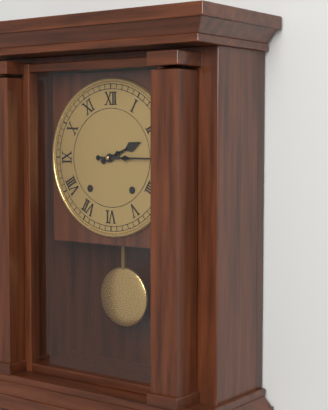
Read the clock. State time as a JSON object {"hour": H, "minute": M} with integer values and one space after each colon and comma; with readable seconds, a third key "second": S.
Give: {"hour": 2, "minute": 15}
